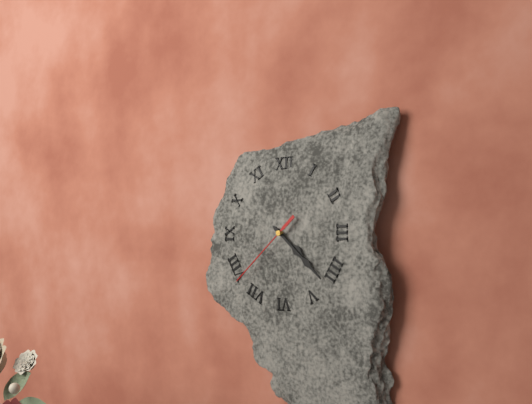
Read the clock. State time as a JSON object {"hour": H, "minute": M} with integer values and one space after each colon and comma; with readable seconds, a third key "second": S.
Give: {"hour": 4, "minute": 22, "second": 38}
